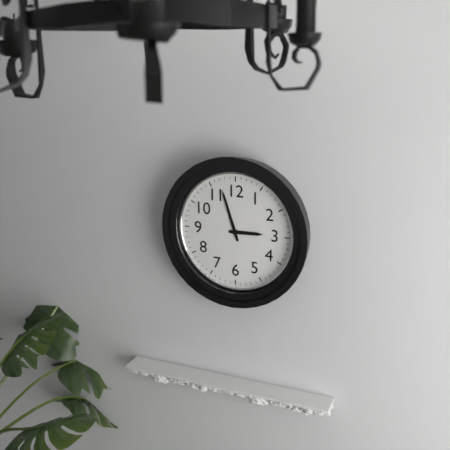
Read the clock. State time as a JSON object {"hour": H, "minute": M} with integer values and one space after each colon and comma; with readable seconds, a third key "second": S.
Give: {"hour": 2, "minute": 57}
